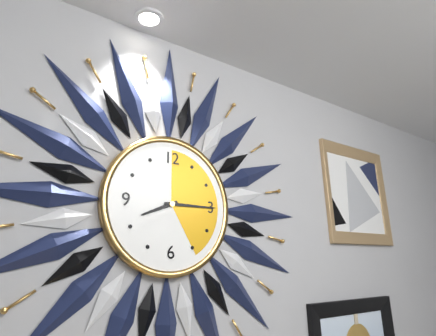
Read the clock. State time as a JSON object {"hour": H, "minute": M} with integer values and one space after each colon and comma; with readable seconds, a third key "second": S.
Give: {"hour": 8, "minute": 15}
